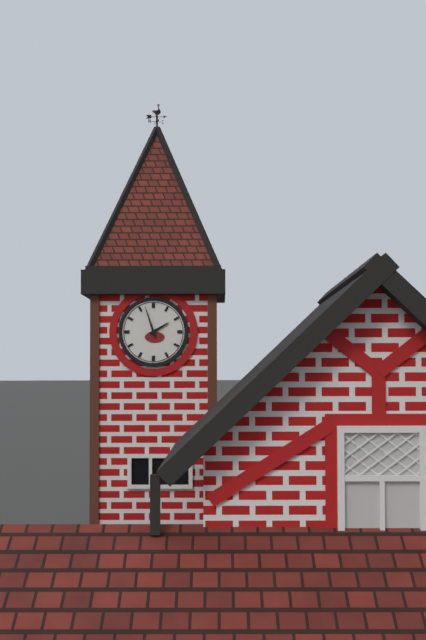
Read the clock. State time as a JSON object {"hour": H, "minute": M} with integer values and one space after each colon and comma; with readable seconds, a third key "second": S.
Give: {"hour": 1, "minute": 57}
